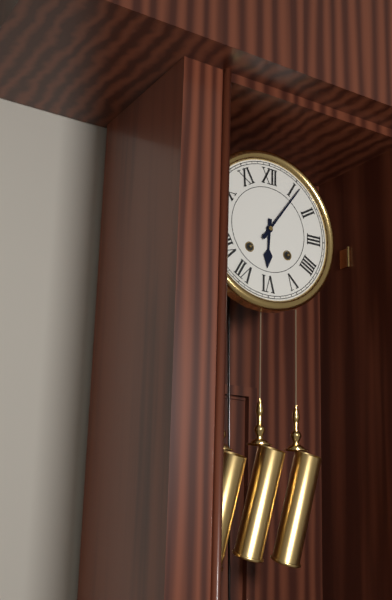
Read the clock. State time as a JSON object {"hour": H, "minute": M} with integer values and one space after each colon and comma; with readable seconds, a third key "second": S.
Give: {"hour": 6, "minute": 6}
